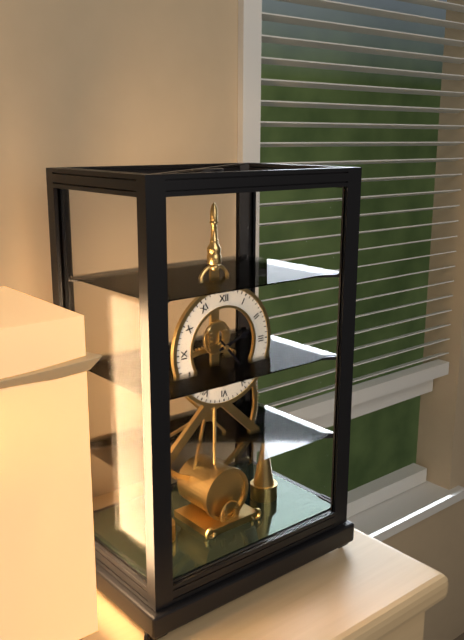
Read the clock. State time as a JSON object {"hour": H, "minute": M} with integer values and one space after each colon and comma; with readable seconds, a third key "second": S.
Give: {"hour": 2, "minute": 23}
